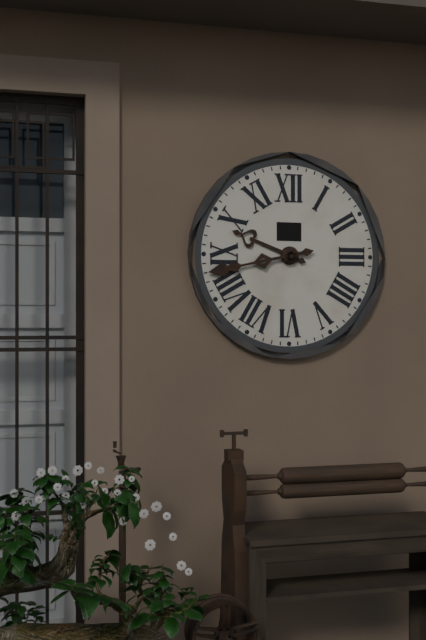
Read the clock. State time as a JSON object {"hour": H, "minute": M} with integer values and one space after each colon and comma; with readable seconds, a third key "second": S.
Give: {"hour": 9, "minute": 43}
